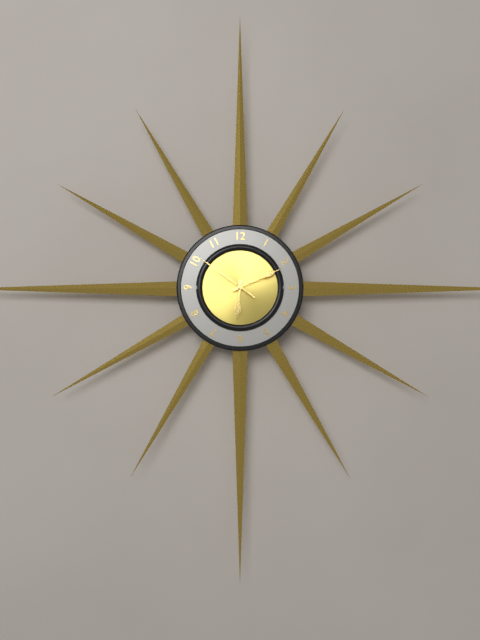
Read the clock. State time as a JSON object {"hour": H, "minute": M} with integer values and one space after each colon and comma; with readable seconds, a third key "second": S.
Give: {"hour": 6, "minute": 11, "second": 51}
